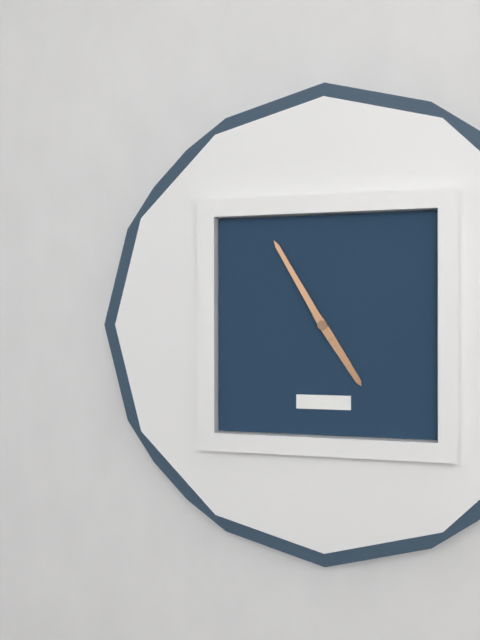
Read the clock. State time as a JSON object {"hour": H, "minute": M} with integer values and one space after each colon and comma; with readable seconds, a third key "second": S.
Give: {"hour": 4, "minute": 55}
